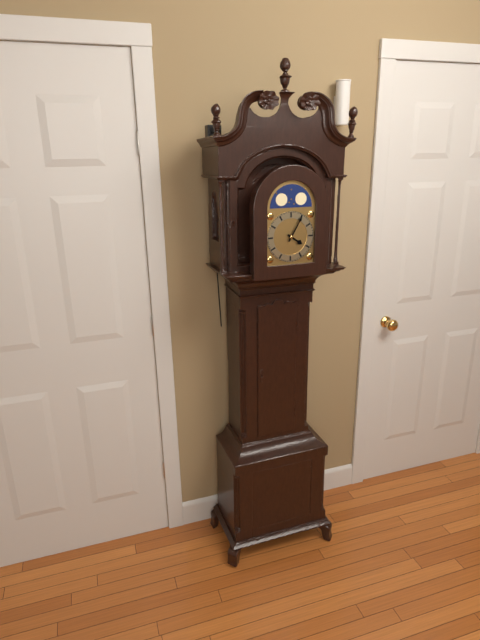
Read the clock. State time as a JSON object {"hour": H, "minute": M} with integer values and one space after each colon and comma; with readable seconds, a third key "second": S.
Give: {"hour": 4, "minute": 5}
